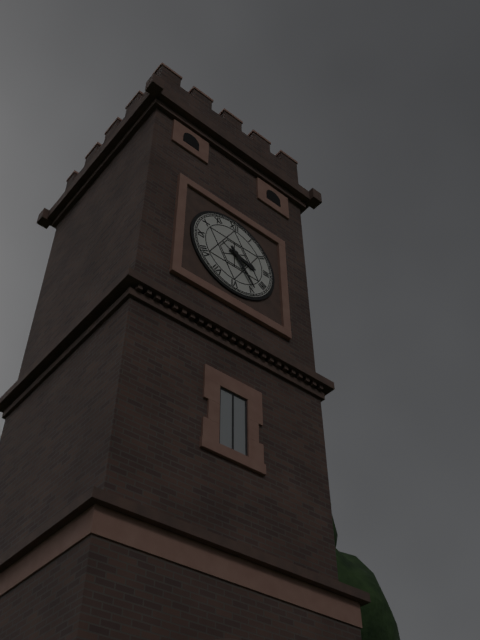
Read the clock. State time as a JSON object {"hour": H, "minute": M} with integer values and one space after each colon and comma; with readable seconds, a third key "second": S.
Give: {"hour": 3, "minute": 24}
